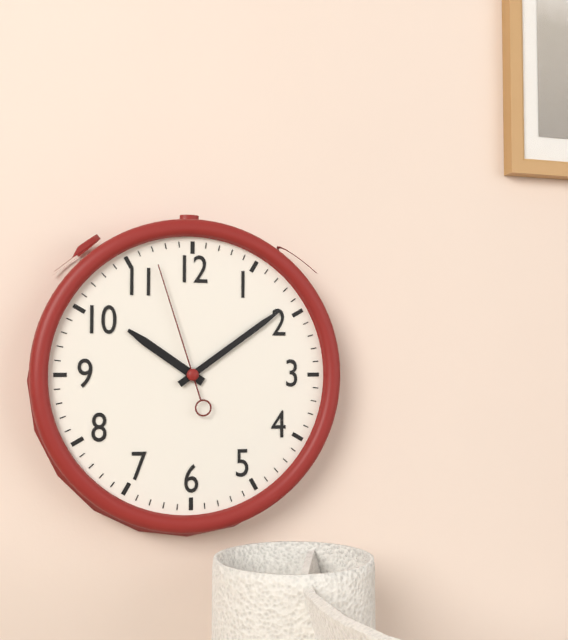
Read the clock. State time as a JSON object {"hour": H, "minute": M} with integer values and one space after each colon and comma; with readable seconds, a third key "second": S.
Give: {"hour": 10, "minute": 9, "second": 57}
